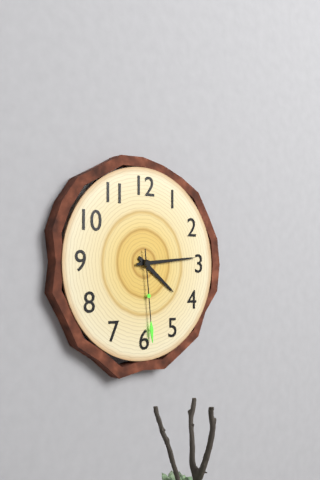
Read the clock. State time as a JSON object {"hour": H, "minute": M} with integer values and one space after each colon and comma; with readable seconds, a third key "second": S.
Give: {"hour": 4, "minute": 14, "second": 29}
